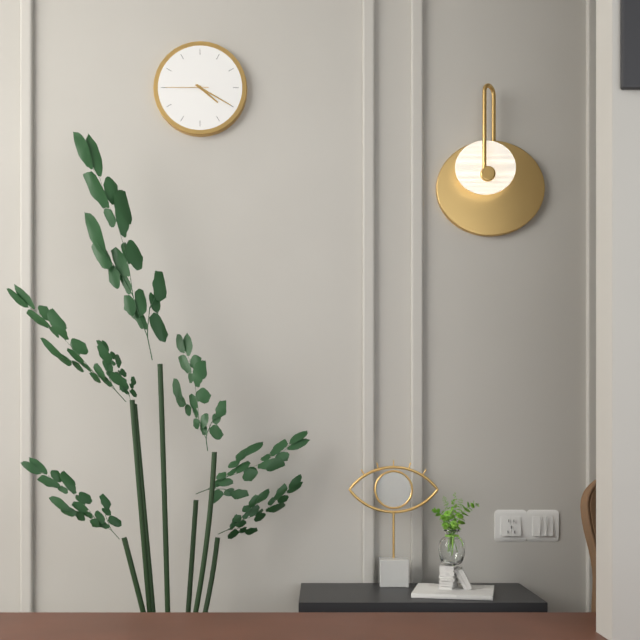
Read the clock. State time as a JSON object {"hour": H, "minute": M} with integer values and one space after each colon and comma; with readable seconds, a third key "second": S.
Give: {"hour": 4, "minute": 20}
